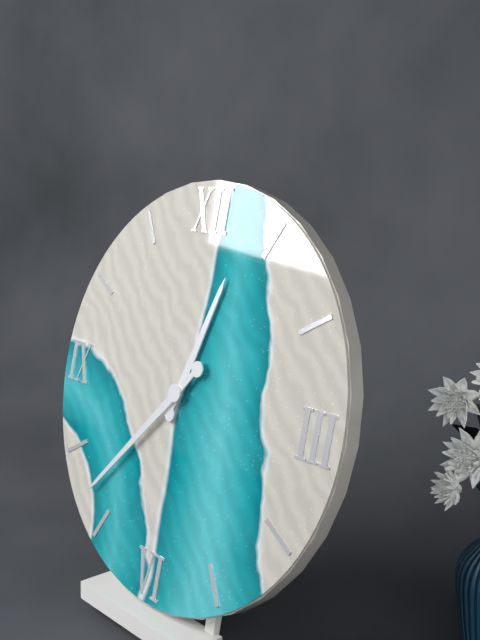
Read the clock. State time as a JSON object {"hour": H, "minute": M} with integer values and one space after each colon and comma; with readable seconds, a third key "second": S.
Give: {"hour": 12, "minute": 37}
